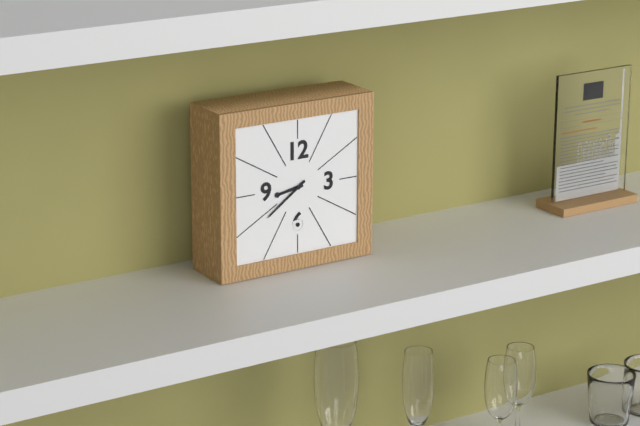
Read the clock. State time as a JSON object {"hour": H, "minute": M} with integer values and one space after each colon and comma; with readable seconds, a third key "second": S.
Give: {"hour": 8, "minute": 39}
